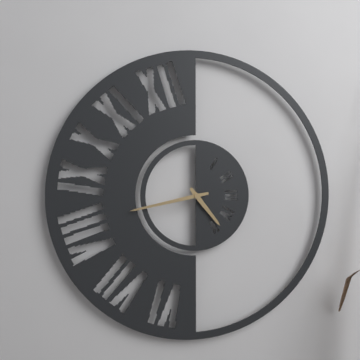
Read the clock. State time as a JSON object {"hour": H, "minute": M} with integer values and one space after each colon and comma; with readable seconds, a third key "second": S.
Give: {"hour": 4, "minute": 43}
